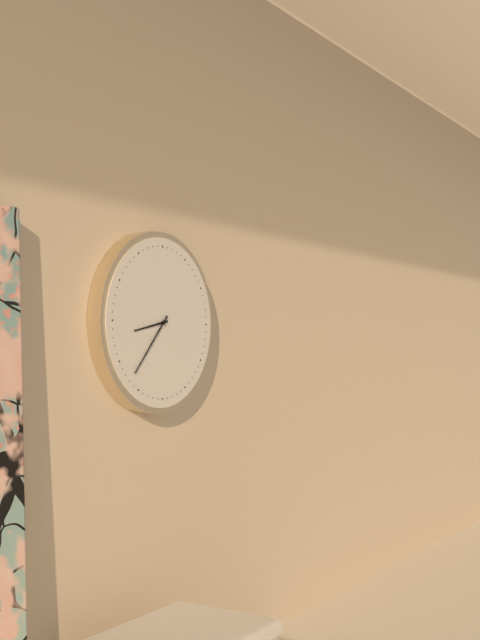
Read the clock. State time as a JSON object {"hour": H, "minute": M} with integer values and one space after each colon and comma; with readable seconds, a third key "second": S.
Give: {"hour": 8, "minute": 37}
